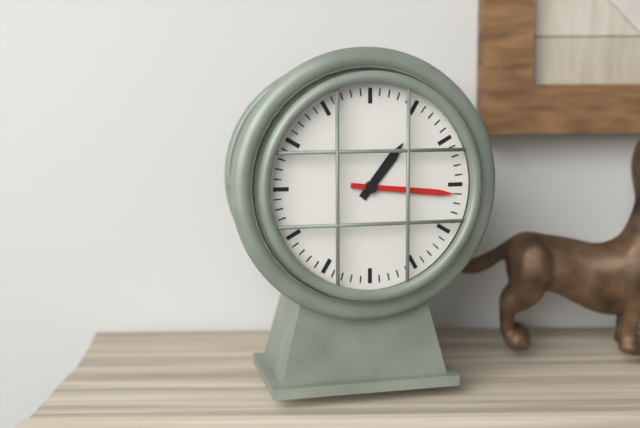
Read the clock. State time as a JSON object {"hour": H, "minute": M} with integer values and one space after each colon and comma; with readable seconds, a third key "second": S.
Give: {"hour": 1, "minute": 16}
